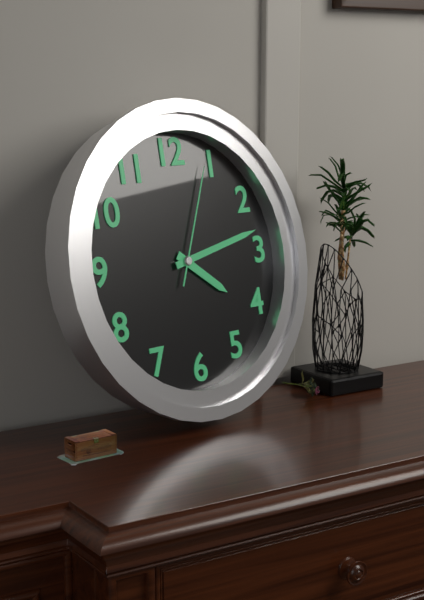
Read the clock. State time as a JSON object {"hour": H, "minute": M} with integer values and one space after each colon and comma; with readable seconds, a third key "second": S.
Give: {"hour": 4, "minute": 13, "second": 4}
